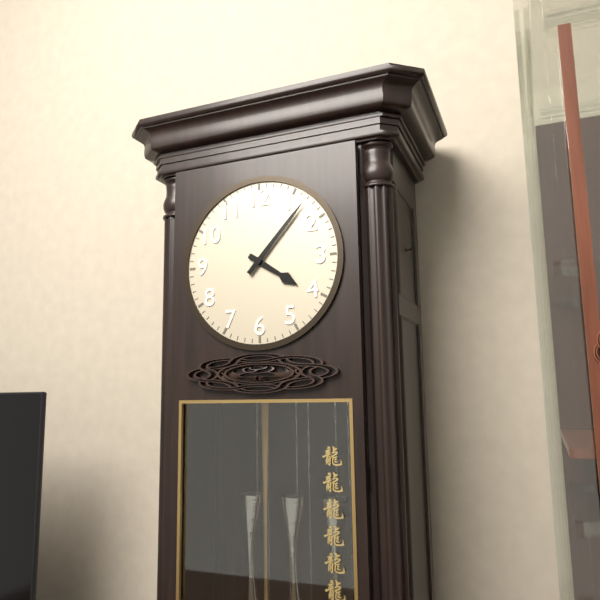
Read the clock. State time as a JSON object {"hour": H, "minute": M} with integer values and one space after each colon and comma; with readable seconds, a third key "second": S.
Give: {"hour": 4, "minute": 7}
